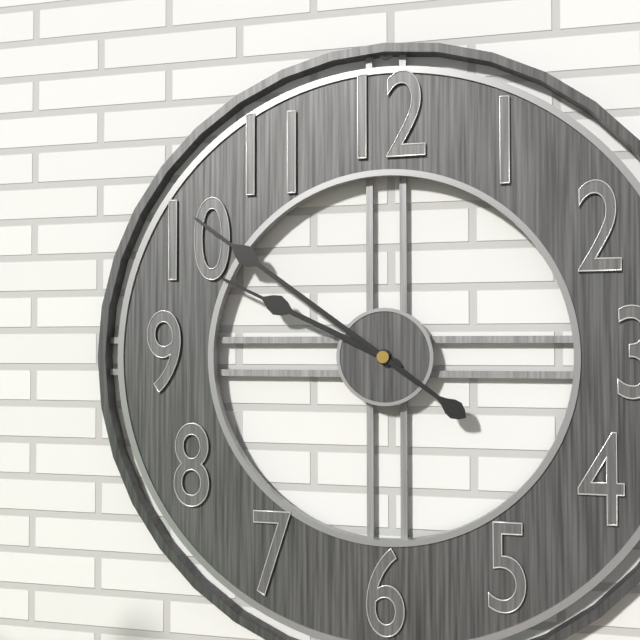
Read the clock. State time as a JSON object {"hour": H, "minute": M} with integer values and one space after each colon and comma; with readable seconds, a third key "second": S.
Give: {"hour": 9, "minute": 51}
